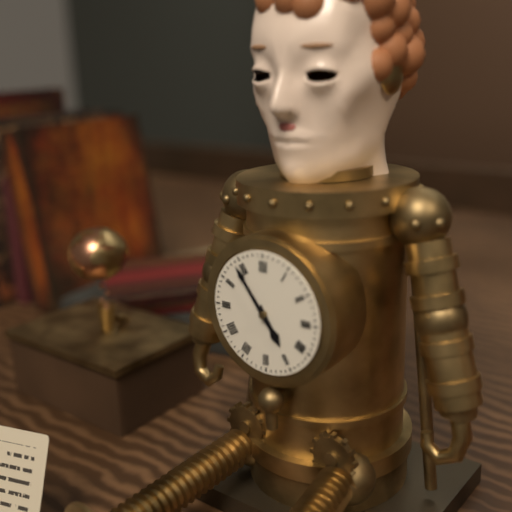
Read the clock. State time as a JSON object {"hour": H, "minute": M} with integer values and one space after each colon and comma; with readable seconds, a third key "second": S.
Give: {"hour": 4, "minute": 54}
